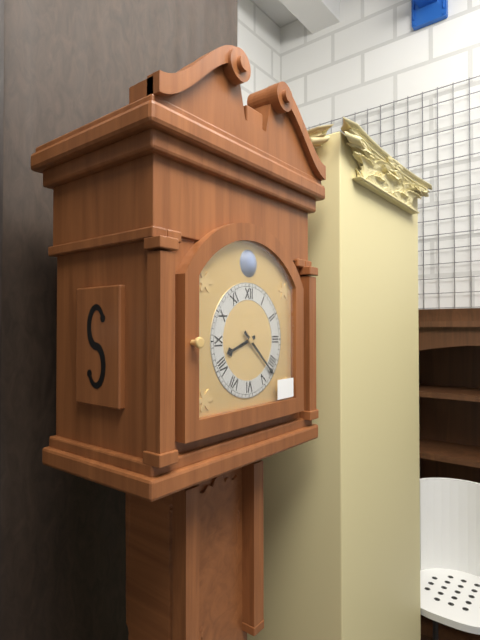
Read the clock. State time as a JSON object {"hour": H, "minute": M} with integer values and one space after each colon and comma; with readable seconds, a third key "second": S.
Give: {"hour": 8, "minute": 22}
